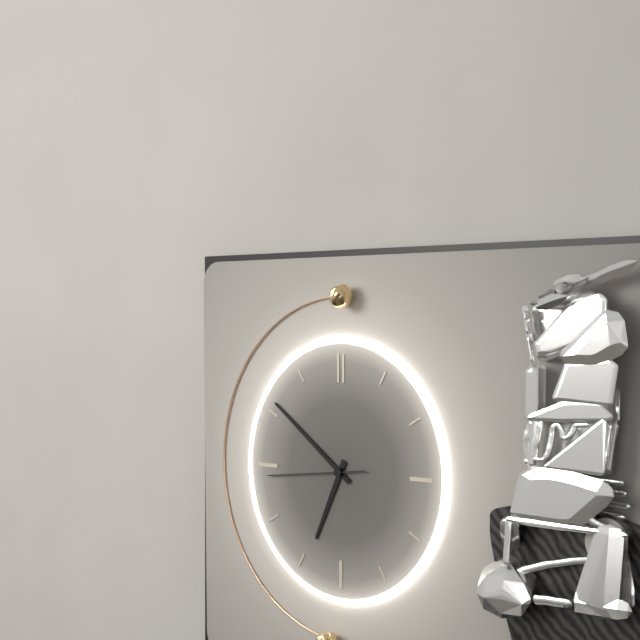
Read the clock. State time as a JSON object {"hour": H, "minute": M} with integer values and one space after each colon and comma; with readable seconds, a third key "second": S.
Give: {"hour": 6, "minute": 51, "second": 44}
